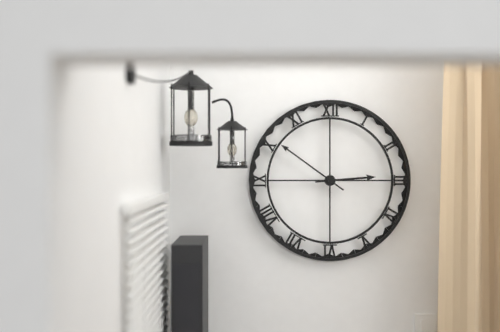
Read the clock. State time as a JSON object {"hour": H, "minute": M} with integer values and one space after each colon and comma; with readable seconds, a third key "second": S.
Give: {"hour": 2, "minute": 51}
